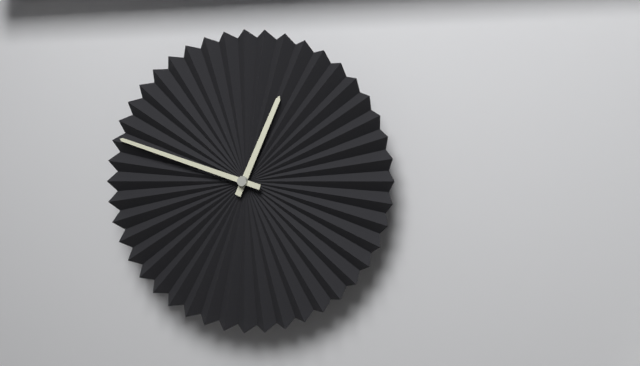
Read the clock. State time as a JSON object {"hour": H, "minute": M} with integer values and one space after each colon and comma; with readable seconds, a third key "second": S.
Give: {"hour": 12, "minute": 48}
